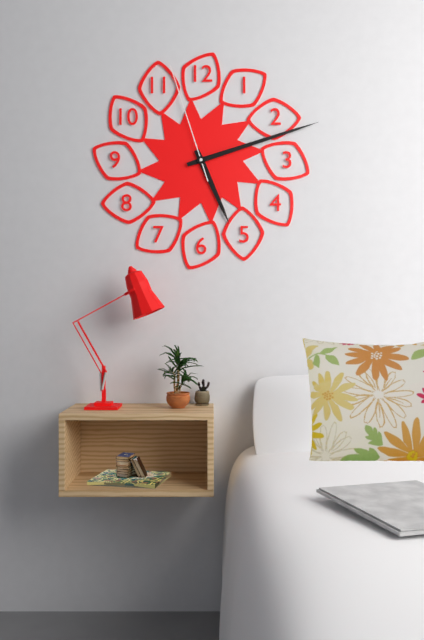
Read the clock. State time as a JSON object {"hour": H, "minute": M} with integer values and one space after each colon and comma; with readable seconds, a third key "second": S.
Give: {"hour": 5, "minute": 12, "second": 57}
